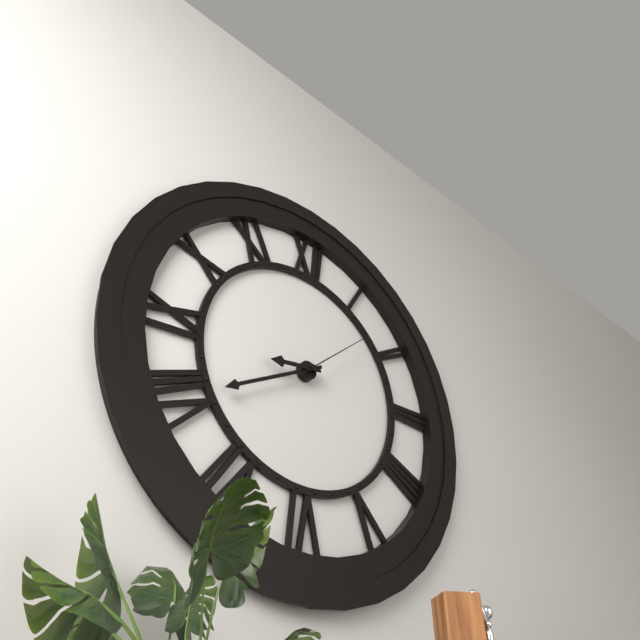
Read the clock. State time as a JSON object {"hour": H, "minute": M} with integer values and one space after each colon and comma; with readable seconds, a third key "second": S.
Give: {"hour": 8, "minute": 40, "second": 8}
